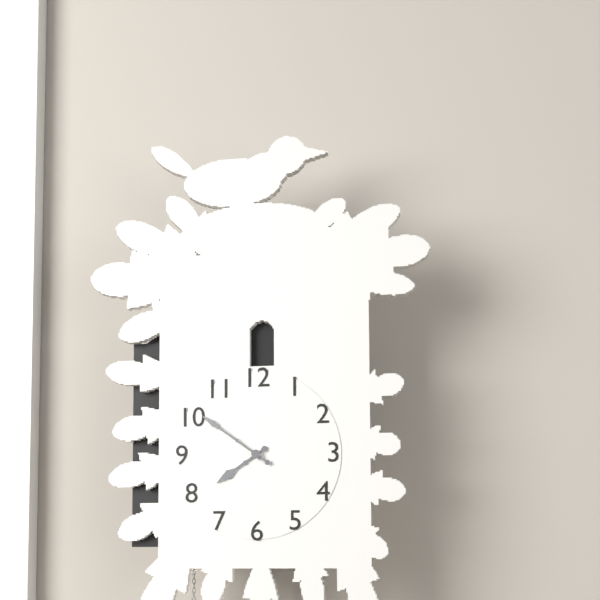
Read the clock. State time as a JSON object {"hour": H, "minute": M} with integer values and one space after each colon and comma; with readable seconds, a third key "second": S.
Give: {"hour": 7, "minute": 51}
